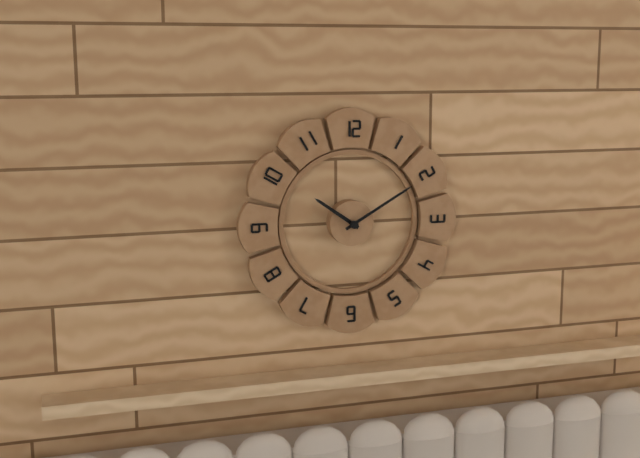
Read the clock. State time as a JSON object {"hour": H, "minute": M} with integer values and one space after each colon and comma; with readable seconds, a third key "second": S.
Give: {"hour": 10, "minute": 10}
